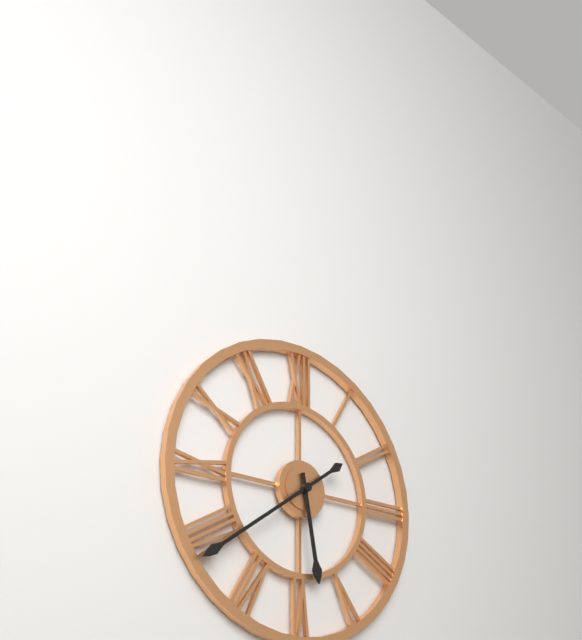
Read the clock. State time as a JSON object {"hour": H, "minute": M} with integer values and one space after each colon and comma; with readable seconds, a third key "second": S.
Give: {"hour": 5, "minute": 39}
